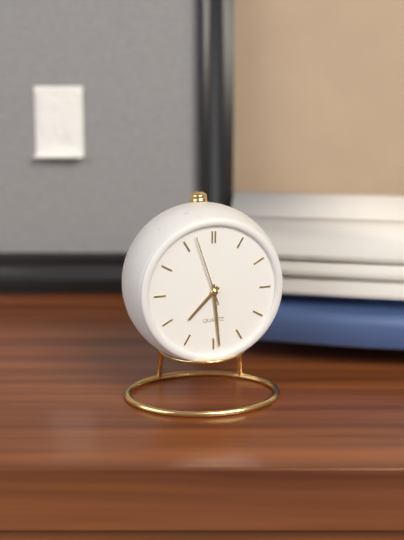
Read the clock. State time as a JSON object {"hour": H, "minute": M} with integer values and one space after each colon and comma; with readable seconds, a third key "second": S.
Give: {"hour": 7, "minute": 29, "second": 57}
